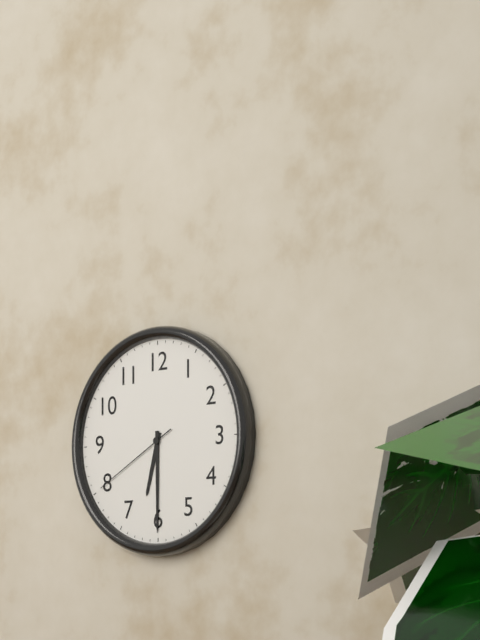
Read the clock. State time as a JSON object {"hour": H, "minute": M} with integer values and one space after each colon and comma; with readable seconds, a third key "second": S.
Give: {"hour": 6, "minute": 30, "second": 40}
